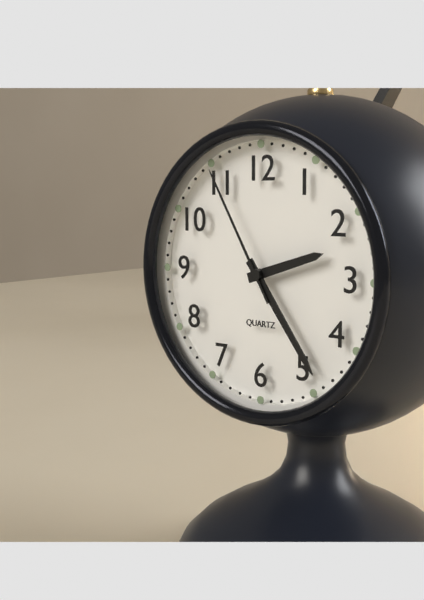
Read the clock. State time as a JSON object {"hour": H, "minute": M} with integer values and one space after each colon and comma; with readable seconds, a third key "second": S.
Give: {"hour": 2, "minute": 24, "second": 55}
